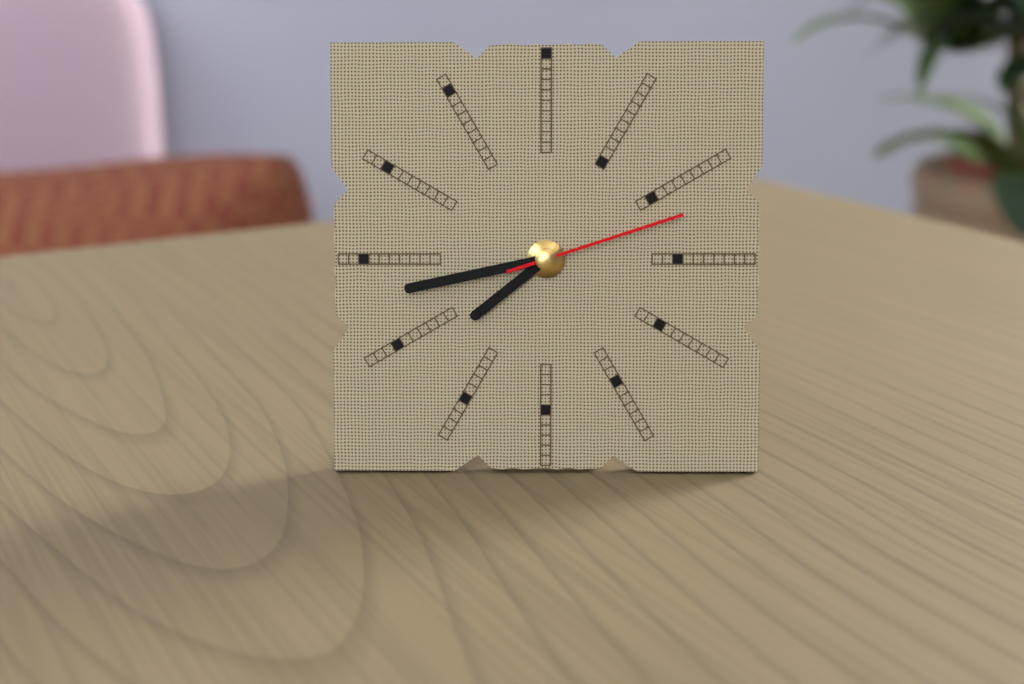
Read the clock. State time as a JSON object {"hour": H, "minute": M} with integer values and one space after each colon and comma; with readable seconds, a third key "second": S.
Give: {"hour": 7, "minute": 43, "second": 12}
